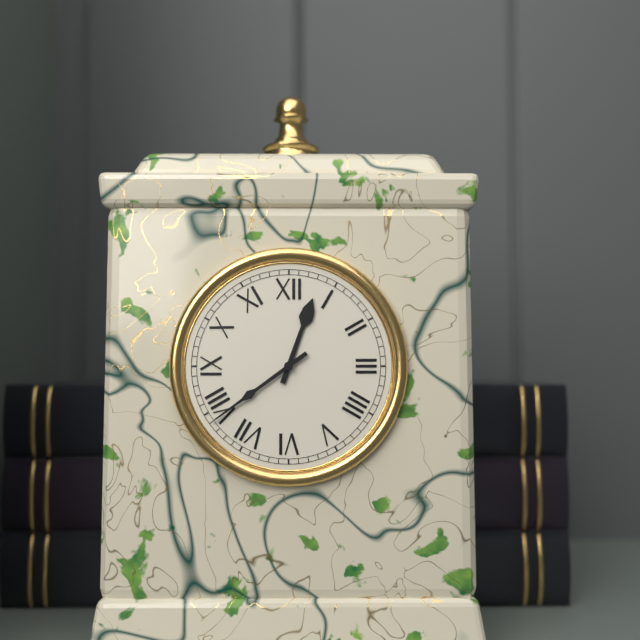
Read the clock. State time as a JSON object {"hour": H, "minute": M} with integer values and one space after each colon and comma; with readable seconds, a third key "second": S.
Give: {"hour": 12, "minute": 39}
